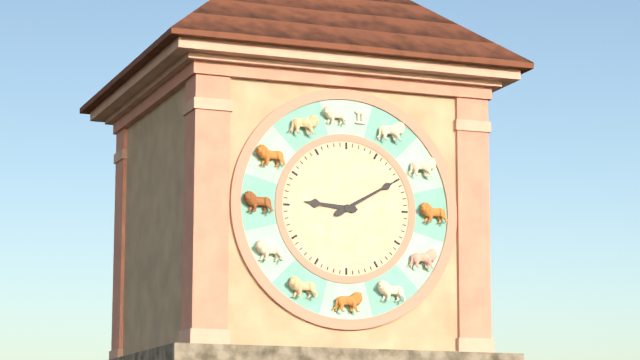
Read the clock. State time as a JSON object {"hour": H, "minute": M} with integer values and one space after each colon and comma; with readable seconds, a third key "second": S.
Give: {"hour": 9, "minute": 10}
